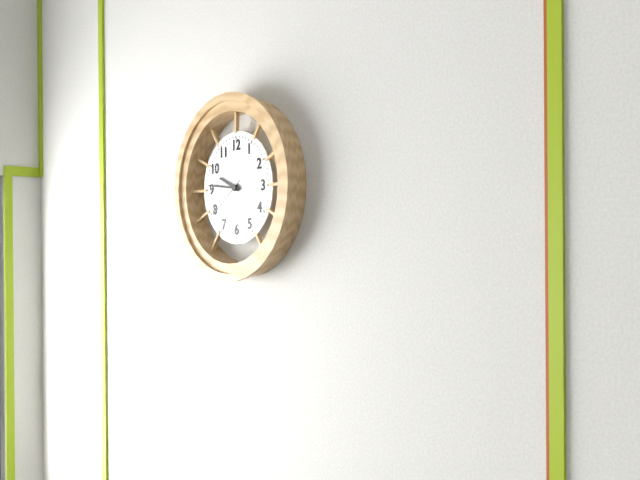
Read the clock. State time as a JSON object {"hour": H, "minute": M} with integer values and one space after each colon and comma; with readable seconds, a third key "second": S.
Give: {"hour": 9, "minute": 46}
